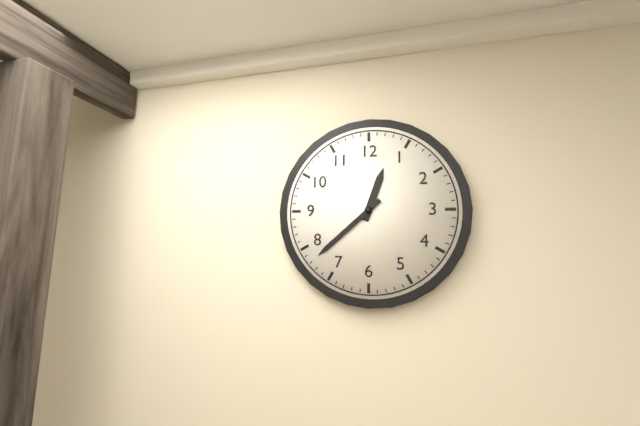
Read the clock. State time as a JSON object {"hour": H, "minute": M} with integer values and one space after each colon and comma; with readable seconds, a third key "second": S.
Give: {"hour": 12, "minute": 38}
